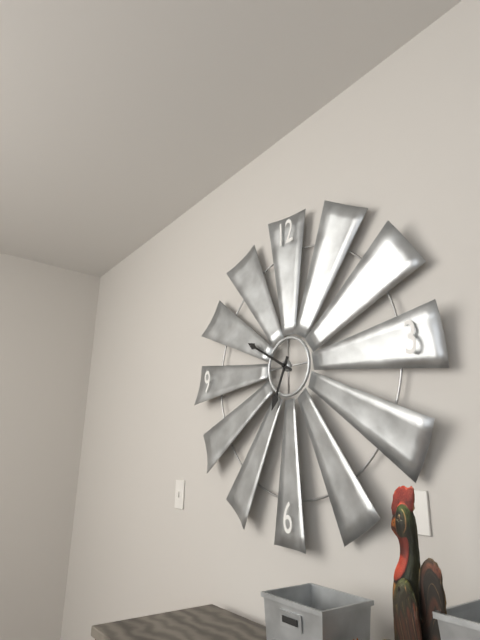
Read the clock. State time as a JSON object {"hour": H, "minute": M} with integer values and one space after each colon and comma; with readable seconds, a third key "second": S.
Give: {"hour": 6, "minute": 50}
